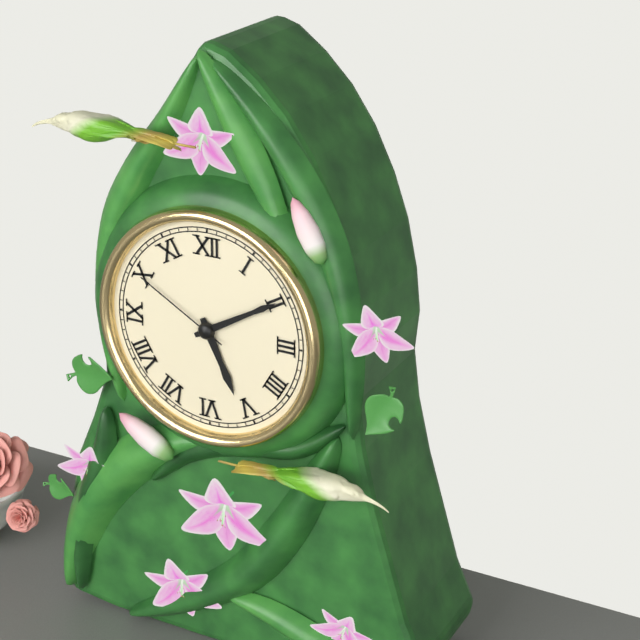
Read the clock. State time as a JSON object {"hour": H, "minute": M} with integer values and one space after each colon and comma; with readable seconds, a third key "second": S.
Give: {"hour": 5, "minute": 10, "second": 50}
